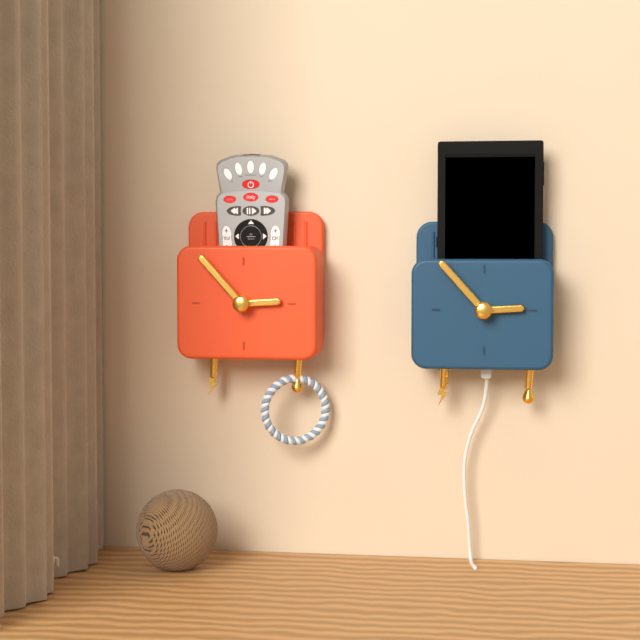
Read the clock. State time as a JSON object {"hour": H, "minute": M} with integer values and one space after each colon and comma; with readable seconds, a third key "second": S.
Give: {"hour": 2, "minute": 53}
